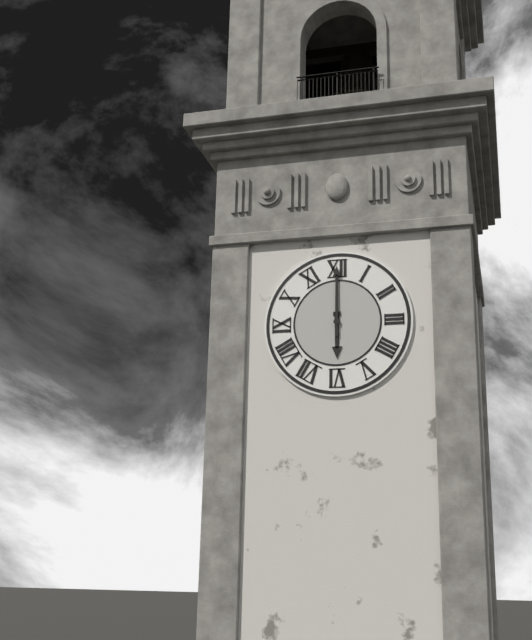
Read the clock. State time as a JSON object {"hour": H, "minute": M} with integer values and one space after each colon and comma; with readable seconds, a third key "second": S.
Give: {"hour": 6, "minute": 0}
